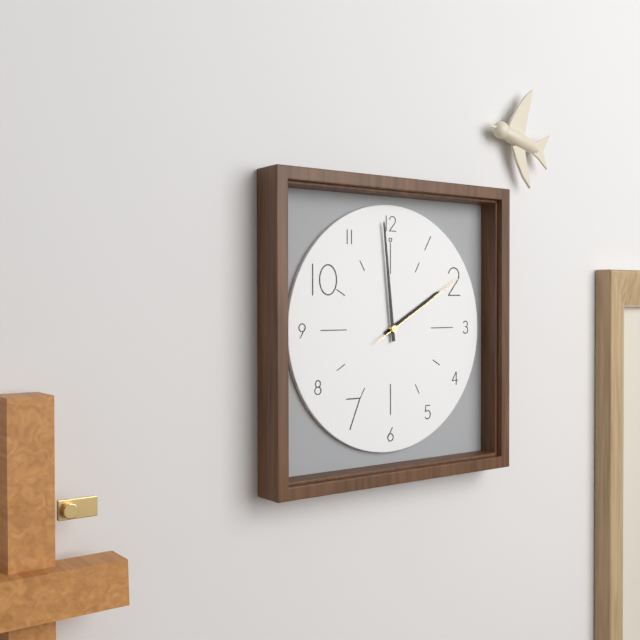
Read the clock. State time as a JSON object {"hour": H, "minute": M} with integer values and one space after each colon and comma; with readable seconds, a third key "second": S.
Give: {"hour": 1, "minute": 59, "second": 10}
